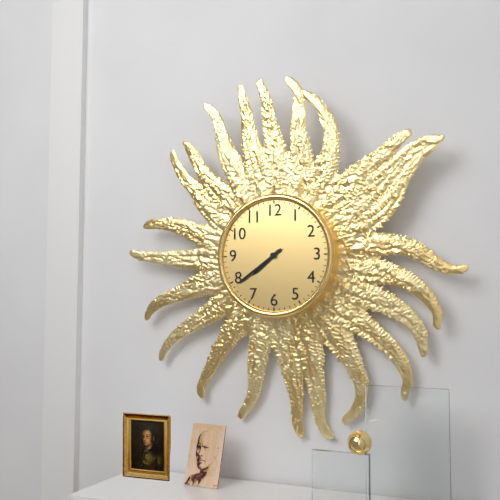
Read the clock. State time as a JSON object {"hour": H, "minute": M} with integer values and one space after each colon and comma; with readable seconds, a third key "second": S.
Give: {"hour": 7, "minute": 39}
